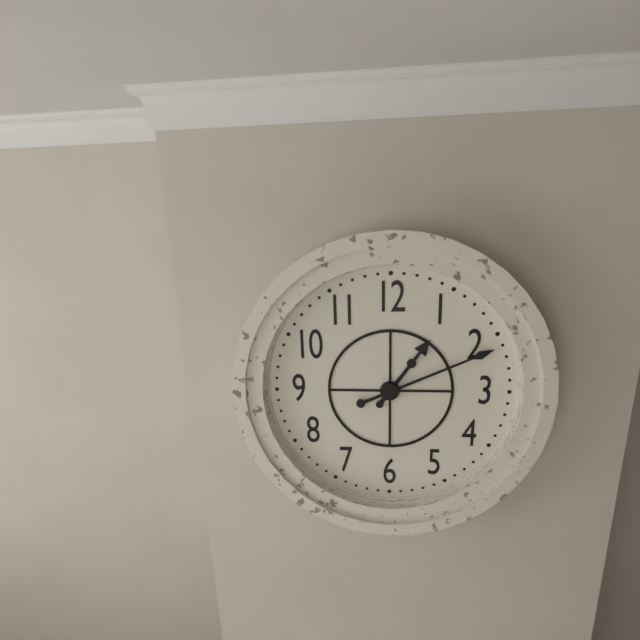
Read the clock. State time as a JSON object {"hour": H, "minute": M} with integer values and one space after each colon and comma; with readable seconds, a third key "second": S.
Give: {"hour": 1, "minute": 11}
